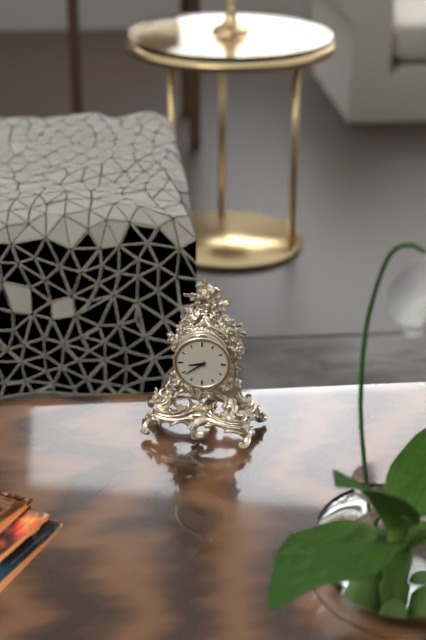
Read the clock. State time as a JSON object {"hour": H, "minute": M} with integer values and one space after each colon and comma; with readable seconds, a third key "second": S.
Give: {"hour": 8, "minute": 39}
